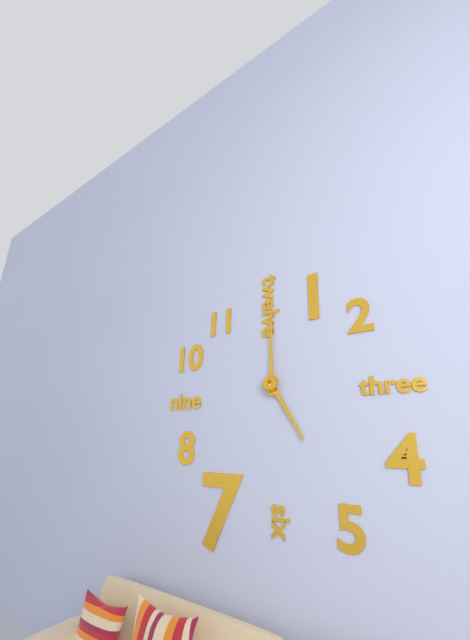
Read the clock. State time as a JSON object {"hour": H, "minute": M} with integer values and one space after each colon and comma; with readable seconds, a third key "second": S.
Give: {"hour": 5, "minute": 0}
